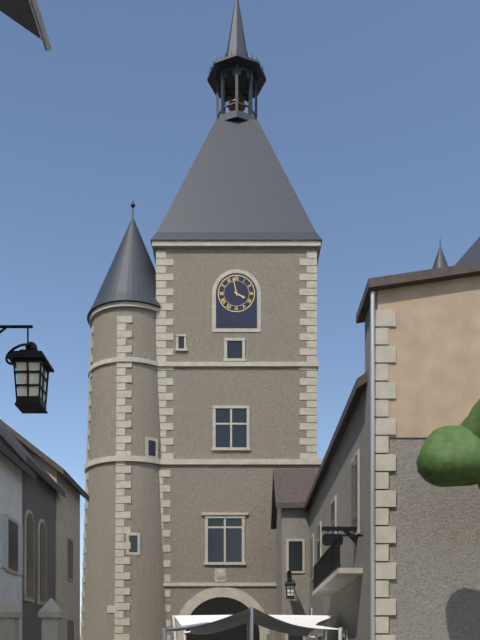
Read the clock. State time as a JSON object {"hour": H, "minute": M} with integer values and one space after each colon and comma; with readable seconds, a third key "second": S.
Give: {"hour": 3, "minute": 58}
